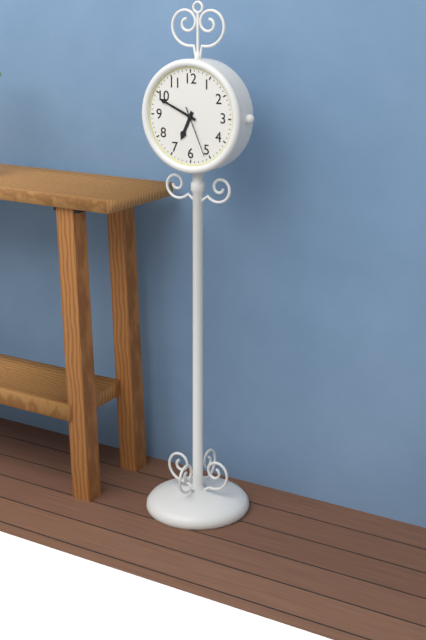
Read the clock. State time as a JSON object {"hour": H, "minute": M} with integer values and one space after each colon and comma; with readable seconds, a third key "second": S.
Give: {"hour": 6, "minute": 49, "second": 26}
